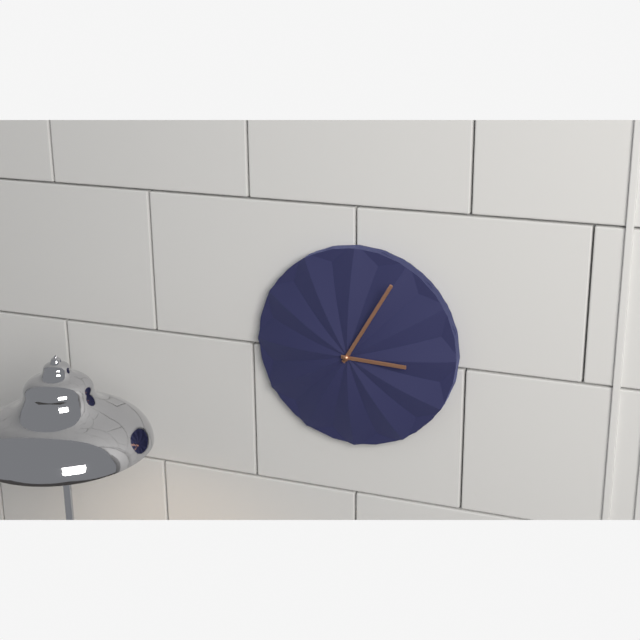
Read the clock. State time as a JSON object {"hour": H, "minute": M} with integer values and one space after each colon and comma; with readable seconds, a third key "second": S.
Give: {"hour": 3, "minute": 5}
